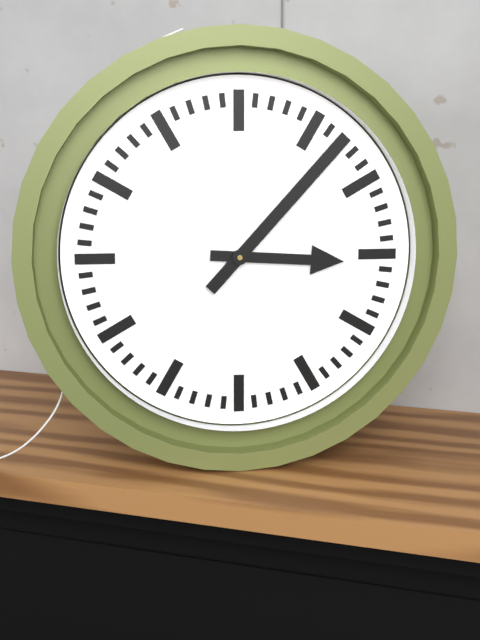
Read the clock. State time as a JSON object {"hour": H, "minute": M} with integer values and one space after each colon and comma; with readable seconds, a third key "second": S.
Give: {"hour": 3, "minute": 7}
